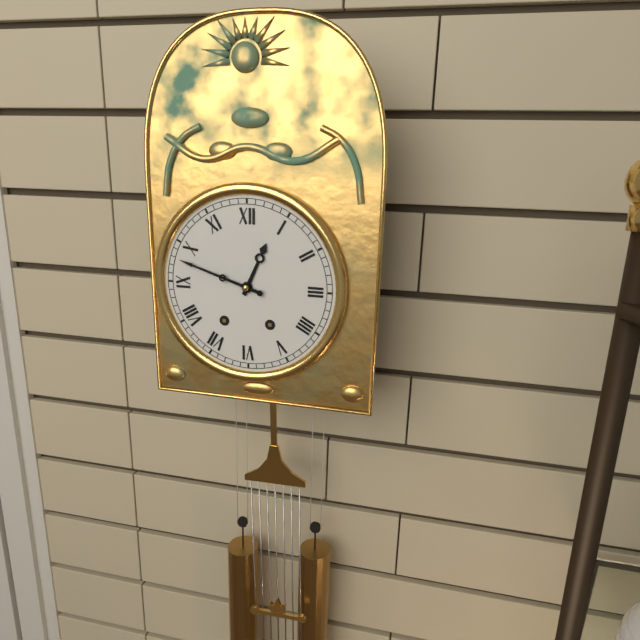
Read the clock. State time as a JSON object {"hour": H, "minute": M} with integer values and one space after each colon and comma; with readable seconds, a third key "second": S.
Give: {"hour": 12, "minute": 48}
